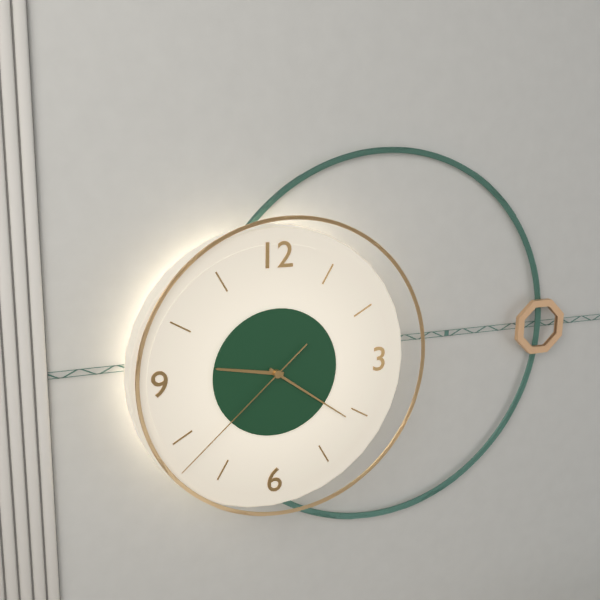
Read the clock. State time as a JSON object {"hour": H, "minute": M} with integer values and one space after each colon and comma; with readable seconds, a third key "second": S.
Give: {"hour": 9, "minute": 21, "second": 38}
